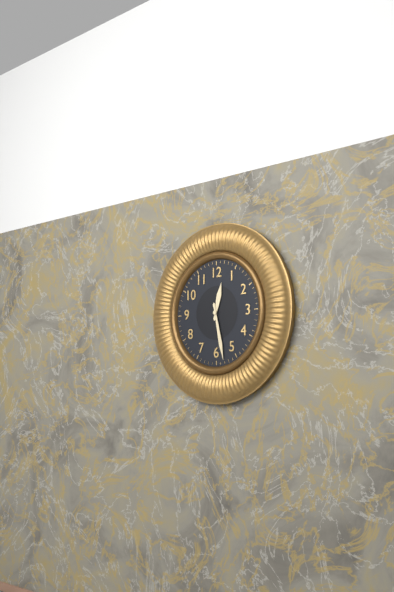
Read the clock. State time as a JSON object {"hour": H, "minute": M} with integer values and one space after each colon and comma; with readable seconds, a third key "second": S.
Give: {"hour": 12, "minute": 28}
